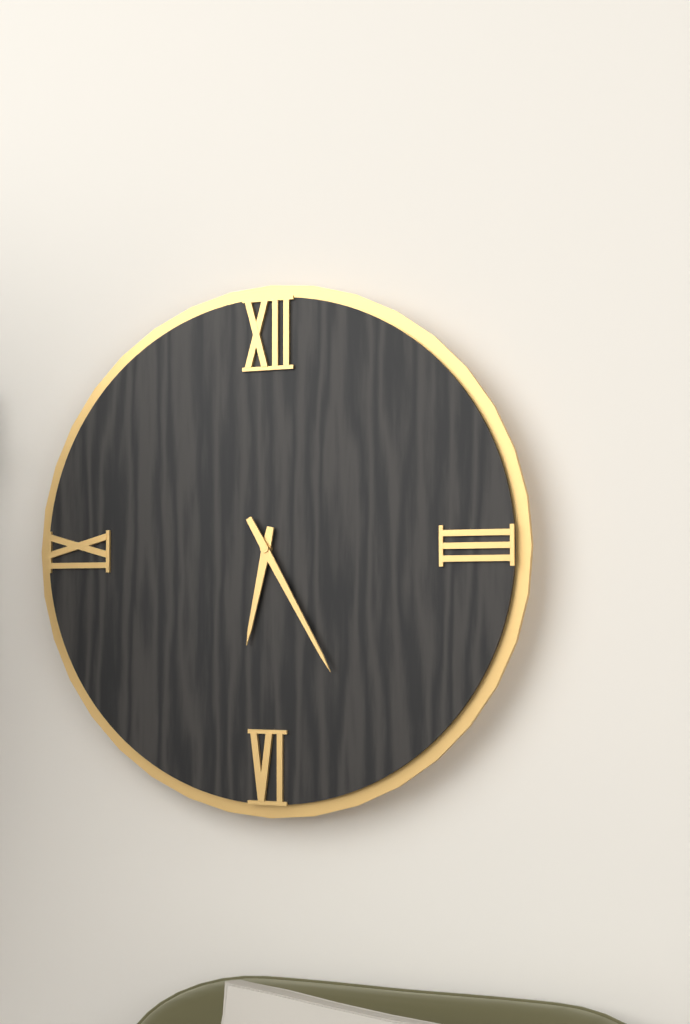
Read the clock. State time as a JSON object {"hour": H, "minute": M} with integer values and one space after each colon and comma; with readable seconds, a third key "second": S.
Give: {"hour": 6, "minute": 25}
